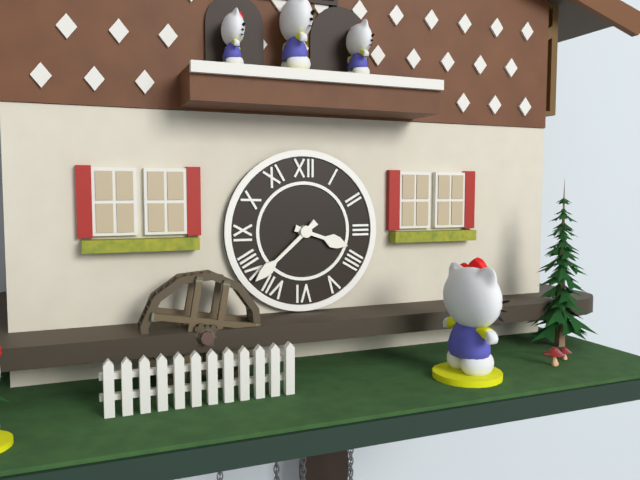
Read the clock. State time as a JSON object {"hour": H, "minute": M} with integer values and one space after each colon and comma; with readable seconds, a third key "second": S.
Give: {"hour": 3, "minute": 38}
